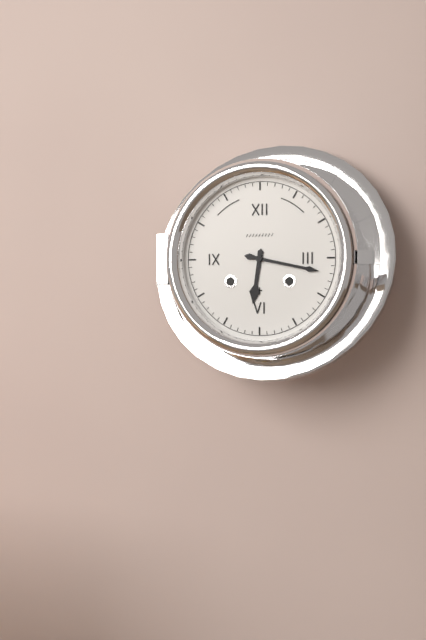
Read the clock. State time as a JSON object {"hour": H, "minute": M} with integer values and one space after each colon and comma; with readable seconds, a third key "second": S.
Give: {"hour": 6, "minute": 17}
